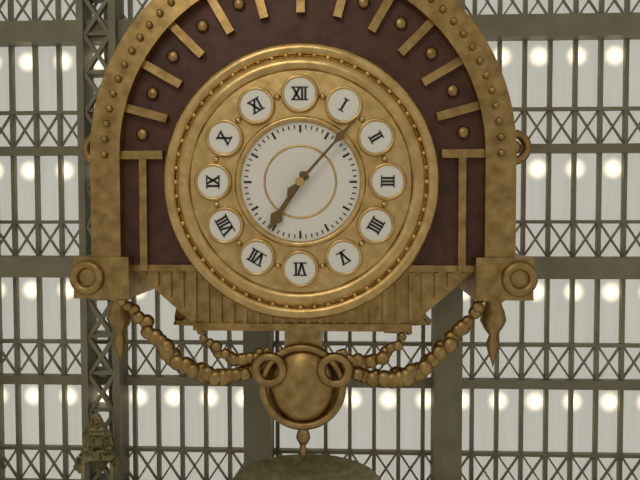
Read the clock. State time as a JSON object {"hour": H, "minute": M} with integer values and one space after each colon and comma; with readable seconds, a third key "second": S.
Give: {"hour": 7, "minute": 7}
